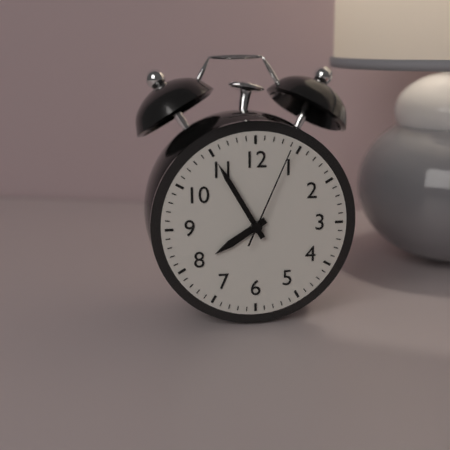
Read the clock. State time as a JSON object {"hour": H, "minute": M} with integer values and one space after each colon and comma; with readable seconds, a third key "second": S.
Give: {"hour": 7, "minute": 55, "second": 4}
